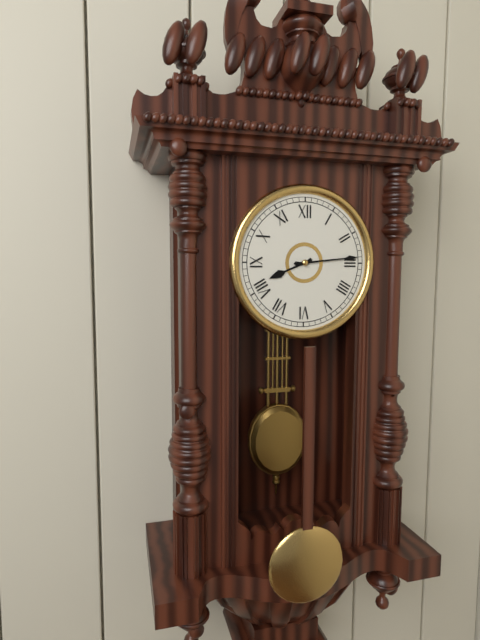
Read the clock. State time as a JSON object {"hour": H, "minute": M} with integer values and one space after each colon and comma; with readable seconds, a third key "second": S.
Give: {"hour": 8, "minute": 14}
